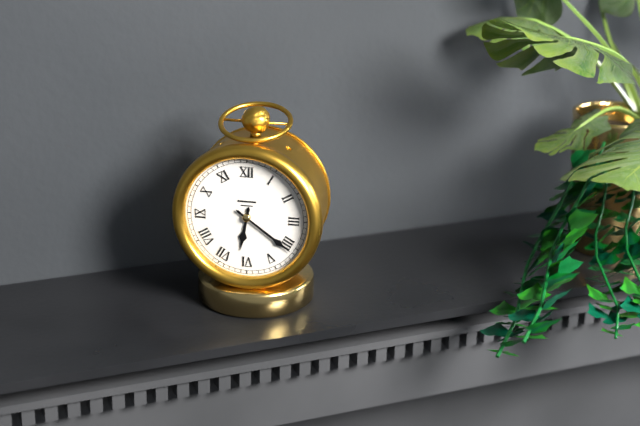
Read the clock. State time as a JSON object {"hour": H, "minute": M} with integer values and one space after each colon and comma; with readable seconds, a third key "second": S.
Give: {"hour": 6, "minute": 21}
